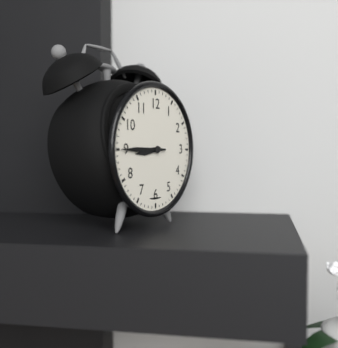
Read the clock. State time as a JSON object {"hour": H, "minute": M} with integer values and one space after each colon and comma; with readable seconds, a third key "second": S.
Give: {"hour": 8, "minute": 45}
